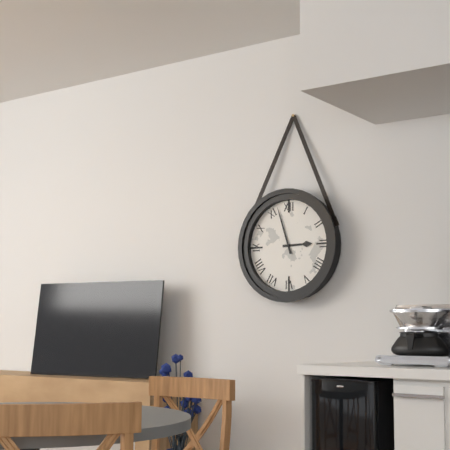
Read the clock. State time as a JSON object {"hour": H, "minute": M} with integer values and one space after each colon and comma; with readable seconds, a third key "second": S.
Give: {"hour": 2, "minute": 57}
